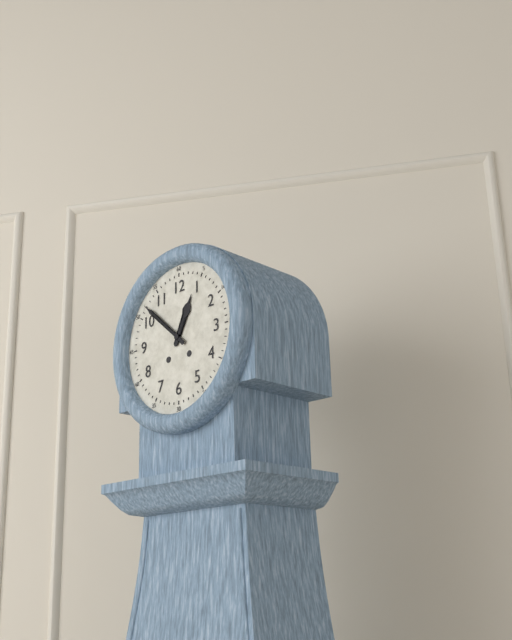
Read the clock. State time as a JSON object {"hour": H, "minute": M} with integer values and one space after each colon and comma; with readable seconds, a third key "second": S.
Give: {"hour": 12, "minute": 52}
